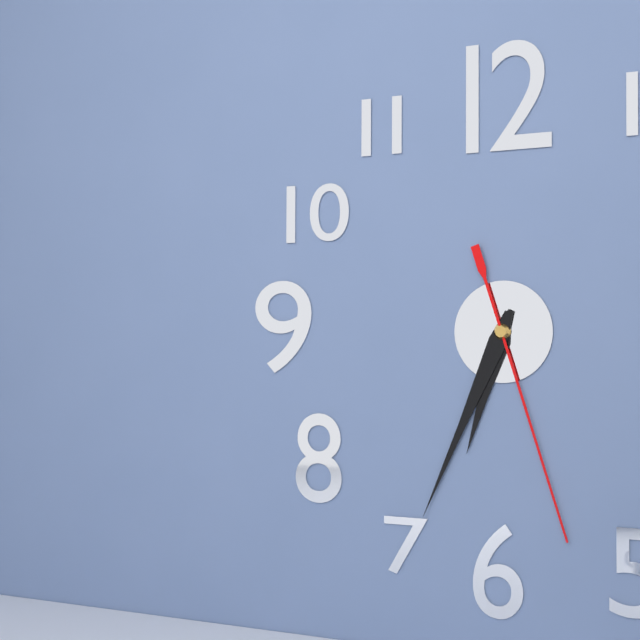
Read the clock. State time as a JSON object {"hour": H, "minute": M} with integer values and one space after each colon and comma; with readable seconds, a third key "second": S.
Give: {"hour": 6, "minute": 34, "second": 27}
